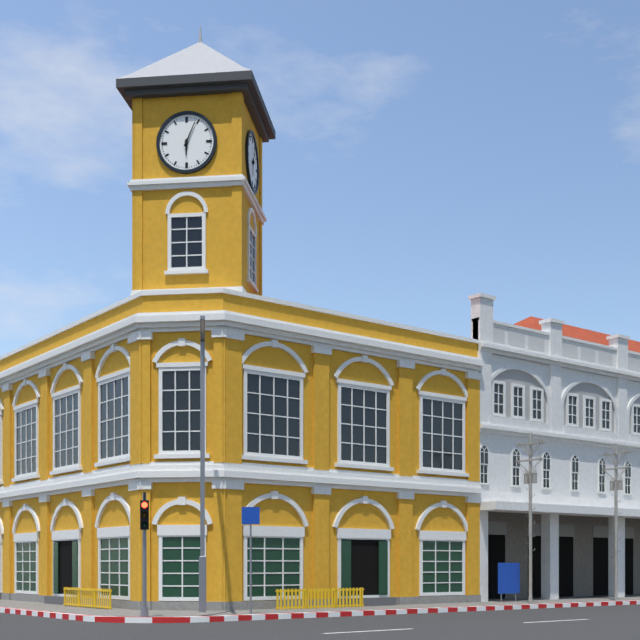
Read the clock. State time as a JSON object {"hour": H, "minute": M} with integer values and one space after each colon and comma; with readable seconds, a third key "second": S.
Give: {"hour": 6, "minute": 4}
